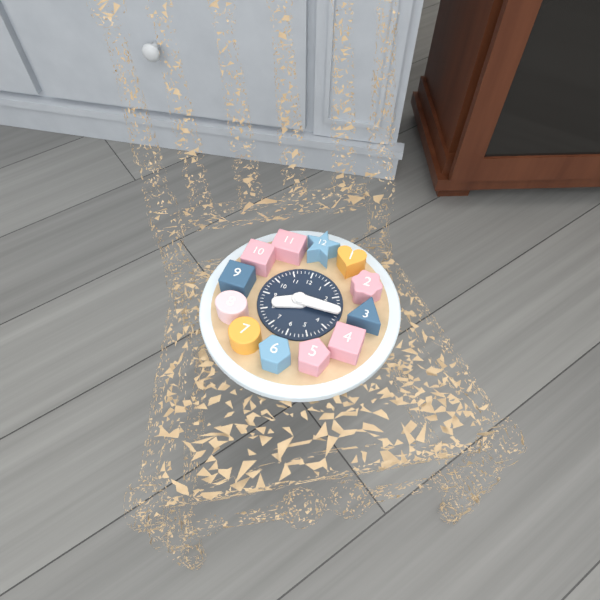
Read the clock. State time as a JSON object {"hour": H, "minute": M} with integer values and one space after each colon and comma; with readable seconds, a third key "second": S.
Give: {"hour": 8, "minute": 15}
